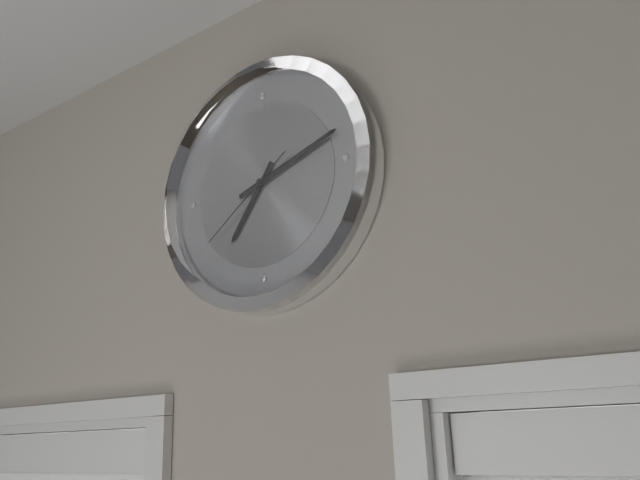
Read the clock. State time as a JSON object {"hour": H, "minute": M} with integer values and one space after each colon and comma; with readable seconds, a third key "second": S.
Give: {"hour": 7, "minute": 12, "second": 39}
